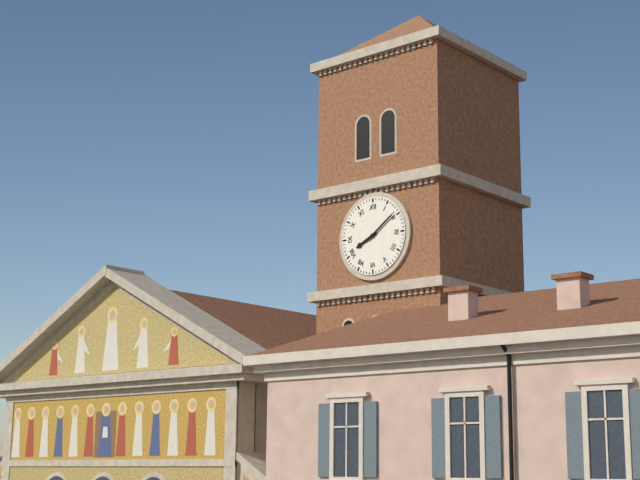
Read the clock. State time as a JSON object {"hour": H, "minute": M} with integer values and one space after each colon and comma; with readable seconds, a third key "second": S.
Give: {"hour": 8, "minute": 9}
